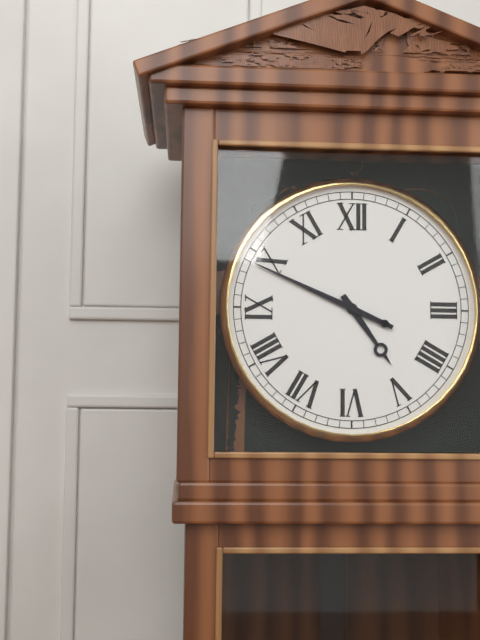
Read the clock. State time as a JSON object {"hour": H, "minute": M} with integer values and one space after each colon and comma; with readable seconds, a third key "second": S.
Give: {"hour": 4, "minute": 49}
